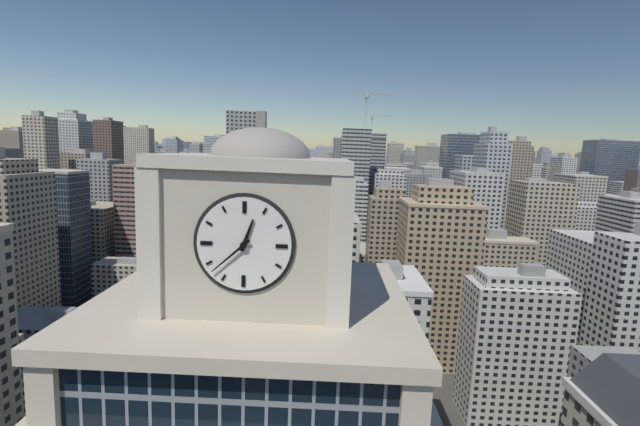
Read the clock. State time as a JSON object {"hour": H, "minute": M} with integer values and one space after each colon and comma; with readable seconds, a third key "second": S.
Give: {"hour": 12, "minute": 38}
